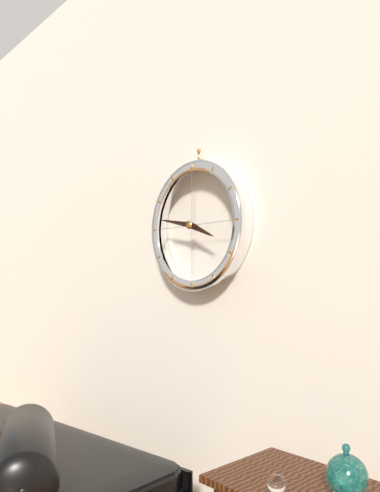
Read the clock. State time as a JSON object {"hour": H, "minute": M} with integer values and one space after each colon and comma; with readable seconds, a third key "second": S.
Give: {"hour": 3, "minute": 47}
